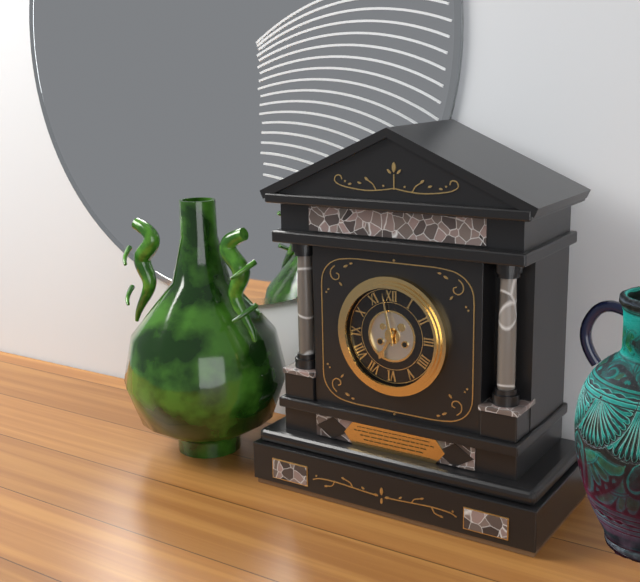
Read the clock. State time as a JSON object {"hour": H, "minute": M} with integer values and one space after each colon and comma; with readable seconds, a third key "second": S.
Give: {"hour": 6, "minute": 58}
